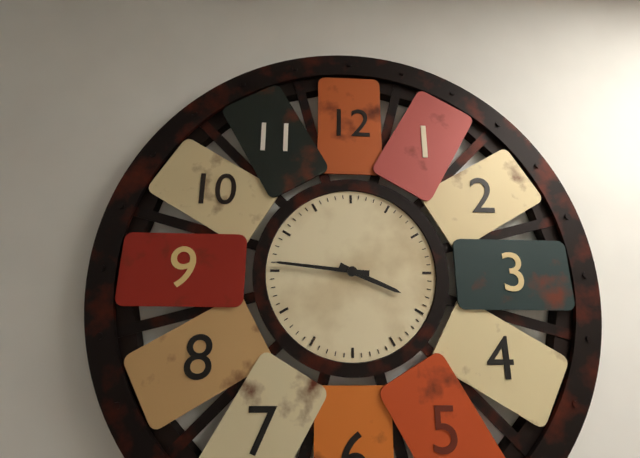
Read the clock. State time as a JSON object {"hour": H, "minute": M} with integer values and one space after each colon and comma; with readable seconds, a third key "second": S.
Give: {"hour": 3, "minute": 46}
